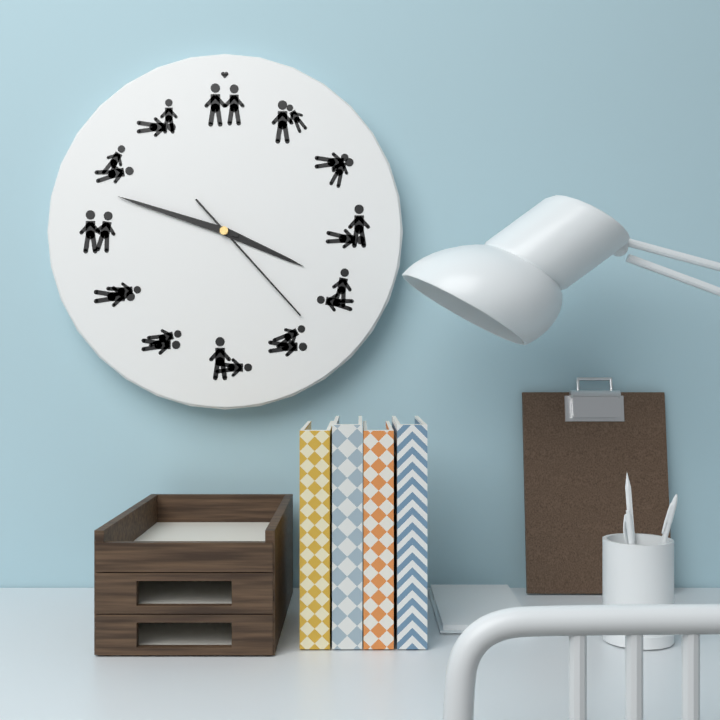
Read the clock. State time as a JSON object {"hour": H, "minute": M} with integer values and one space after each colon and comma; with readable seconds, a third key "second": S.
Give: {"hour": 3, "minute": 48, "second": 23}
